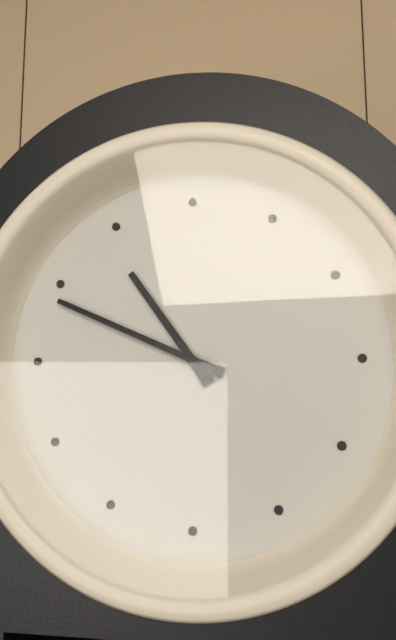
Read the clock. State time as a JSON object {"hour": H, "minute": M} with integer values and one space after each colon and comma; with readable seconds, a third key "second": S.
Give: {"hour": 10, "minute": 49}
